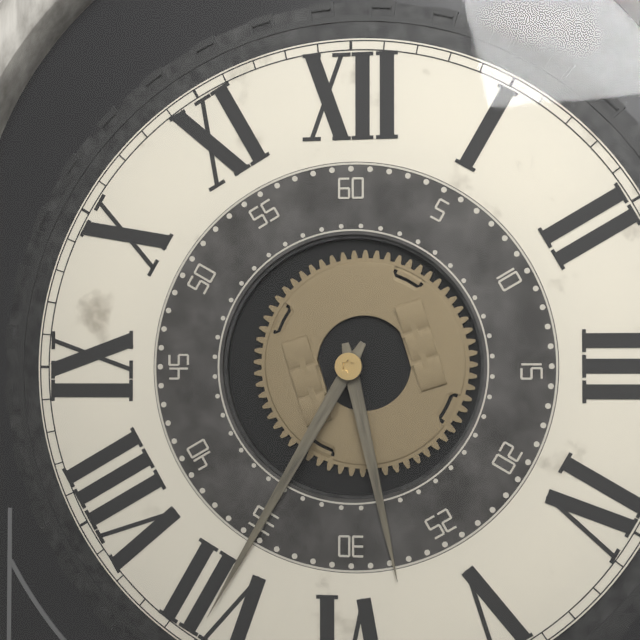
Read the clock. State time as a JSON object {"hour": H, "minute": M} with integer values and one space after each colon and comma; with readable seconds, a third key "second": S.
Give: {"hour": 5, "minute": 35}
